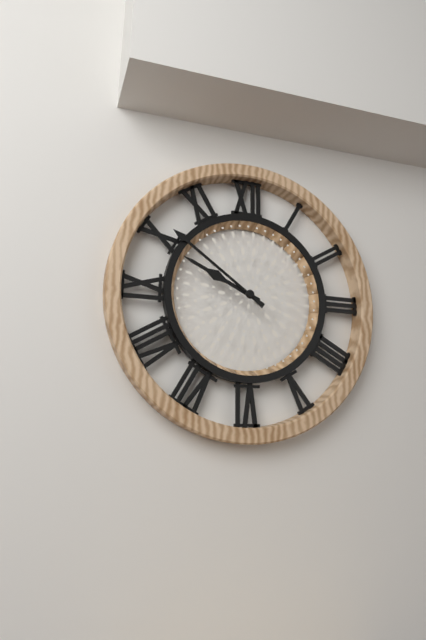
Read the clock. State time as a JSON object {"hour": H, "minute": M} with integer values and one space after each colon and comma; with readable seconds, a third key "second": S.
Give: {"hour": 9, "minute": 51}
